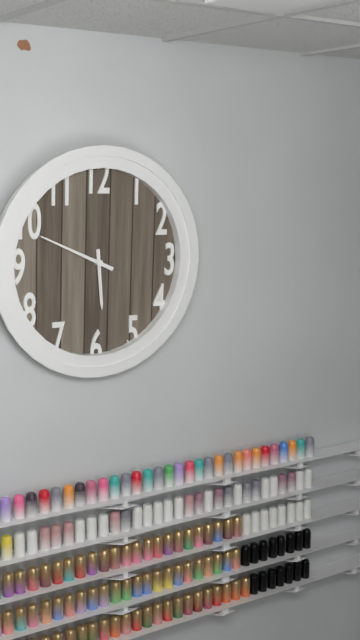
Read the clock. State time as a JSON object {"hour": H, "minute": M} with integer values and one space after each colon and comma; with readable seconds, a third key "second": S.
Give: {"hour": 5, "minute": 49}
